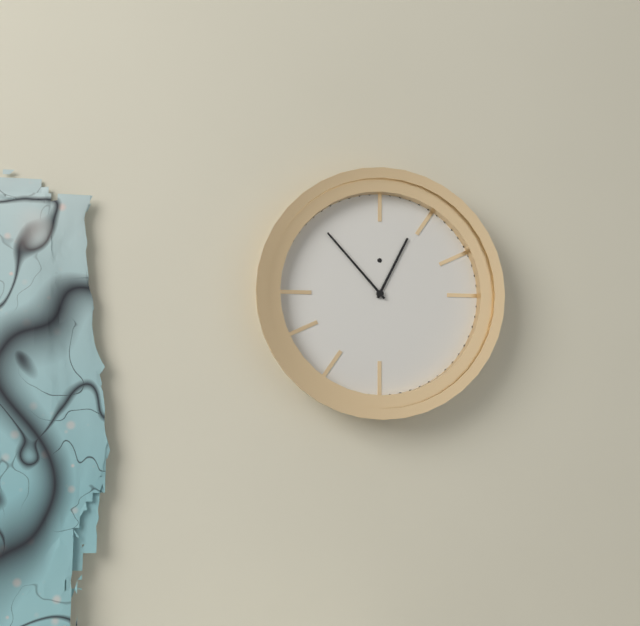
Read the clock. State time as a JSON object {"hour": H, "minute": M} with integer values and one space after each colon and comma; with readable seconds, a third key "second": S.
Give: {"hour": 12, "minute": 53}
